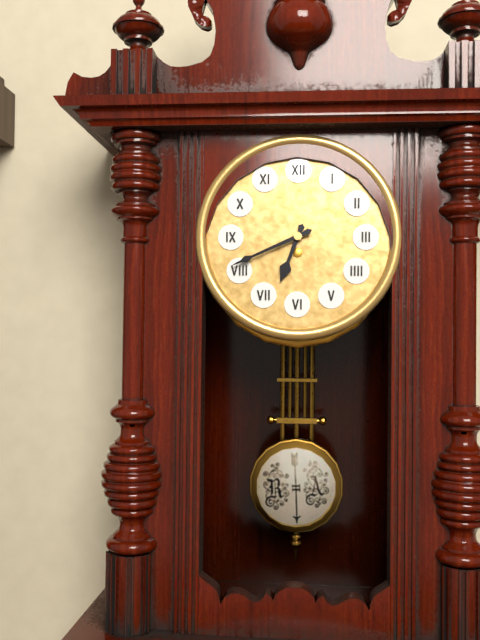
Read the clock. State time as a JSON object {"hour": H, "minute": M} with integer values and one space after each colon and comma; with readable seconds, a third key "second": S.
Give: {"hour": 6, "minute": 41}
